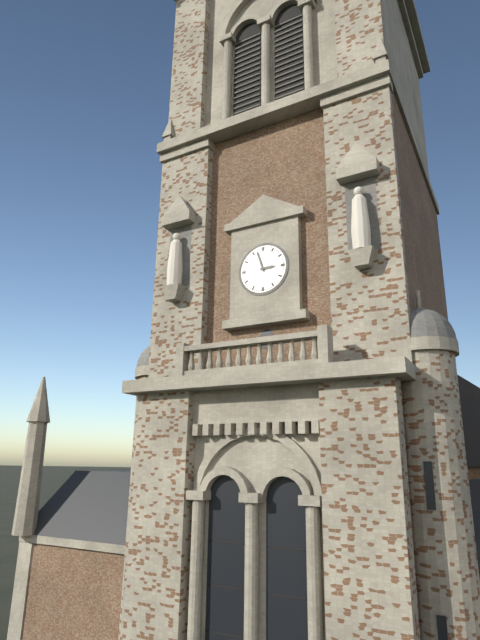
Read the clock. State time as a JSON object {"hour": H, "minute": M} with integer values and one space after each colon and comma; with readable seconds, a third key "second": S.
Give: {"hour": 2, "minute": 57}
